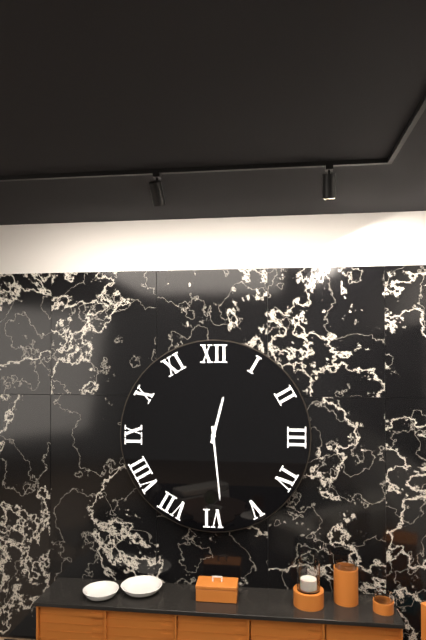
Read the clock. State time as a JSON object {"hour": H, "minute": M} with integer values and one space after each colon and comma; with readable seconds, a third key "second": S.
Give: {"hour": 12, "minute": 29}
